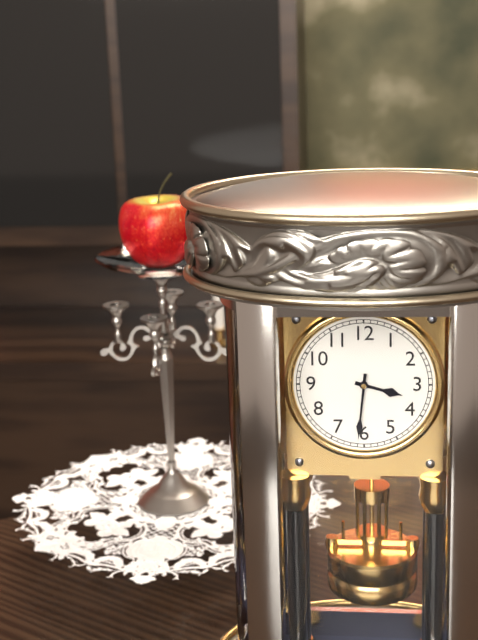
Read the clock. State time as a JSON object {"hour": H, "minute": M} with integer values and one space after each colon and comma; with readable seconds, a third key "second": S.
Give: {"hour": 3, "minute": 31}
